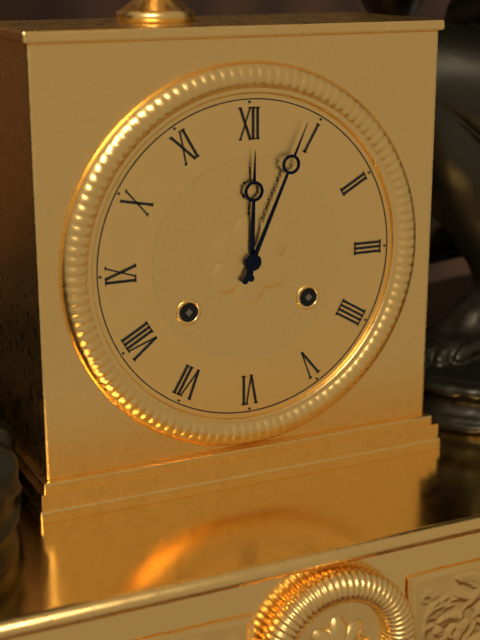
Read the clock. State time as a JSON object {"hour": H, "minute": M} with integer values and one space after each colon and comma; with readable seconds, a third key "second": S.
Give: {"hour": 12, "minute": 4}
